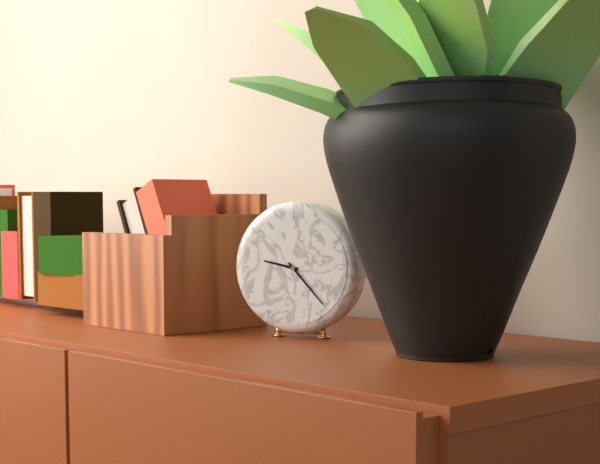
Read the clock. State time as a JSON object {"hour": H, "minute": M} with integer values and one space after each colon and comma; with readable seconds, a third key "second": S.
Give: {"hour": 9, "minute": 23}
